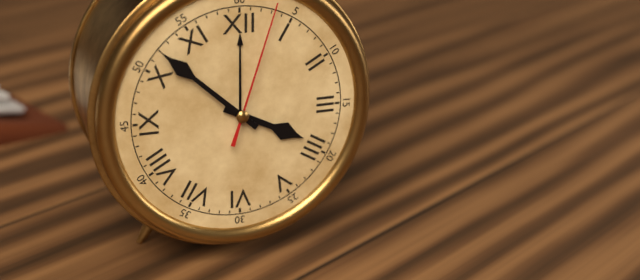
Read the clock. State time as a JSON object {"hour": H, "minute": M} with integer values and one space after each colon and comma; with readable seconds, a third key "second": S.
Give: {"hour": 3, "minute": 52, "second": 3}
